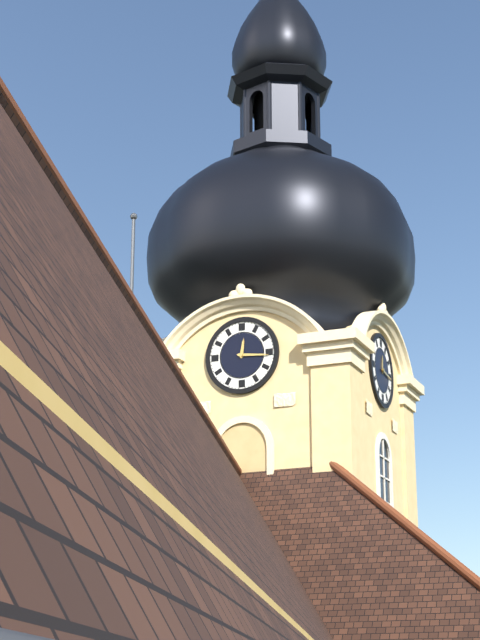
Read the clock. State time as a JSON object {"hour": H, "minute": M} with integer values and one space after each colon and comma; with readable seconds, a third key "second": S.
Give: {"hour": 12, "minute": 16}
